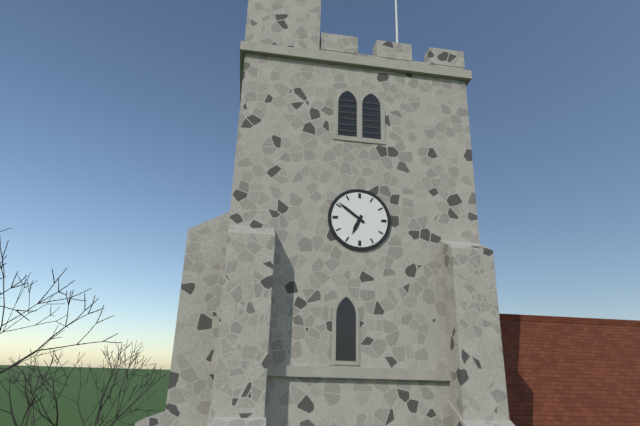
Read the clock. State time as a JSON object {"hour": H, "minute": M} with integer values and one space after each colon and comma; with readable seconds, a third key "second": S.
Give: {"hour": 6, "minute": 51}
